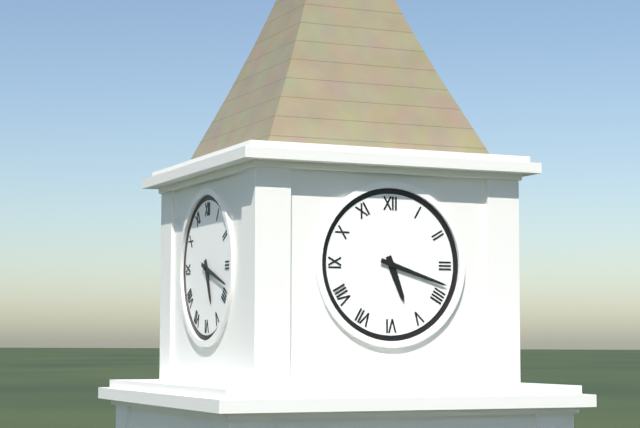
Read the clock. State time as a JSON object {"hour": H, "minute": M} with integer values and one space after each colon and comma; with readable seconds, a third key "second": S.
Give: {"hour": 5, "minute": 18}
